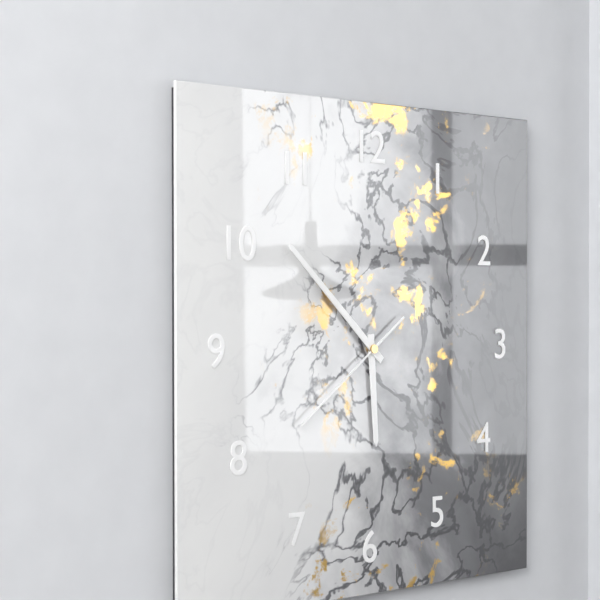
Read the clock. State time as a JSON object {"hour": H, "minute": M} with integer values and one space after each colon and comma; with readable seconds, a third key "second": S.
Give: {"hour": 5, "minute": 52, "second": 39}
